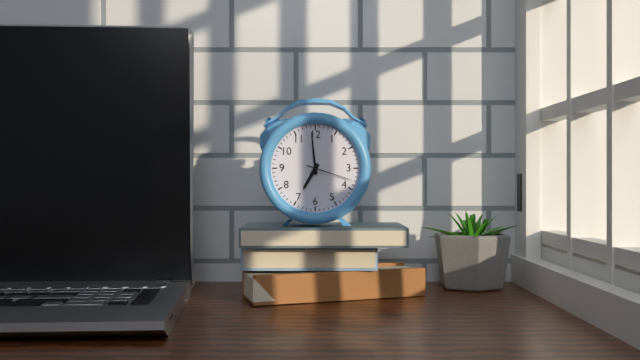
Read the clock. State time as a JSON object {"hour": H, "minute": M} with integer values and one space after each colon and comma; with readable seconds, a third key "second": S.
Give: {"hour": 6, "minute": 59}
